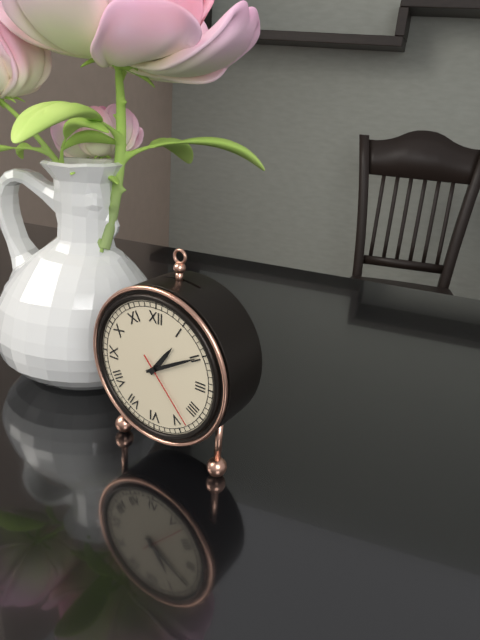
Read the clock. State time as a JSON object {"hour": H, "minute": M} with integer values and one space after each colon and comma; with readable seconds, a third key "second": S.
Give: {"hour": 1, "minute": 10, "second": 23}
